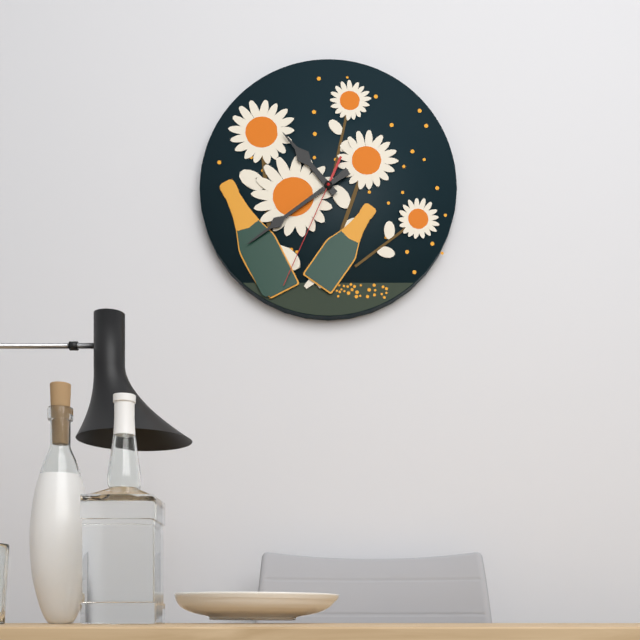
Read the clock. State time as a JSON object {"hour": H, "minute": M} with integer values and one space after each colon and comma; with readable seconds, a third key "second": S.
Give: {"hour": 10, "minute": 39, "second": 34}
